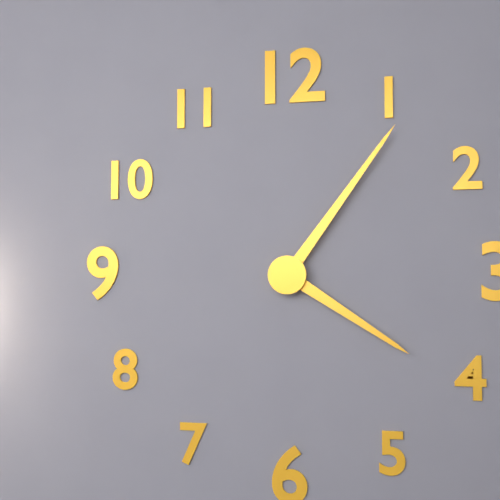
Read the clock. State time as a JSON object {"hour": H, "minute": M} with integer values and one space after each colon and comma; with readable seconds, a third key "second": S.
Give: {"hour": 4, "minute": 6}
